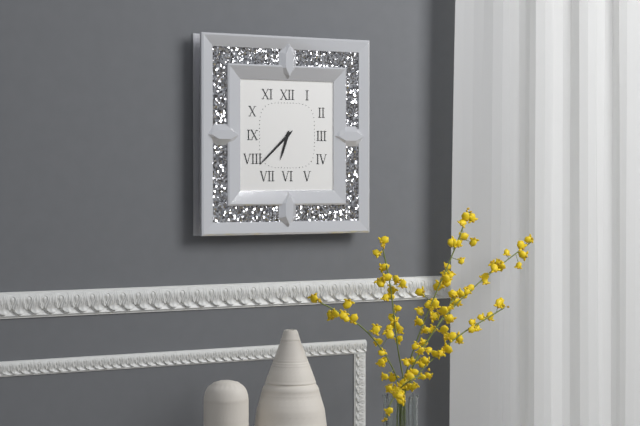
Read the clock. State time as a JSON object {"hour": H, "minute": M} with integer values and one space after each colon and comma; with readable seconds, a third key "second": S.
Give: {"hour": 6, "minute": 38}
